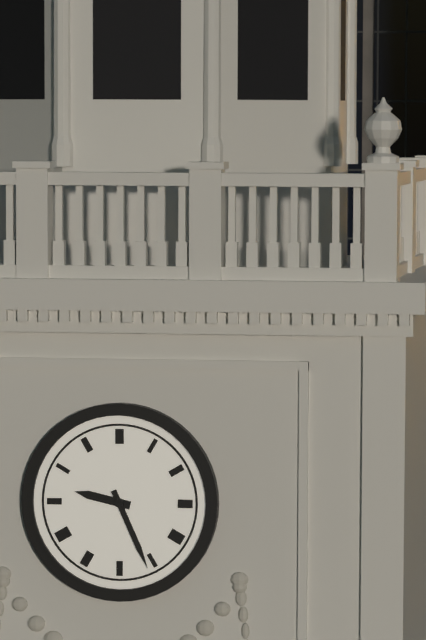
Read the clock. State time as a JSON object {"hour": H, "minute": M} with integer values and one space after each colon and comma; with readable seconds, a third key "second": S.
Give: {"hour": 9, "minute": 26}
